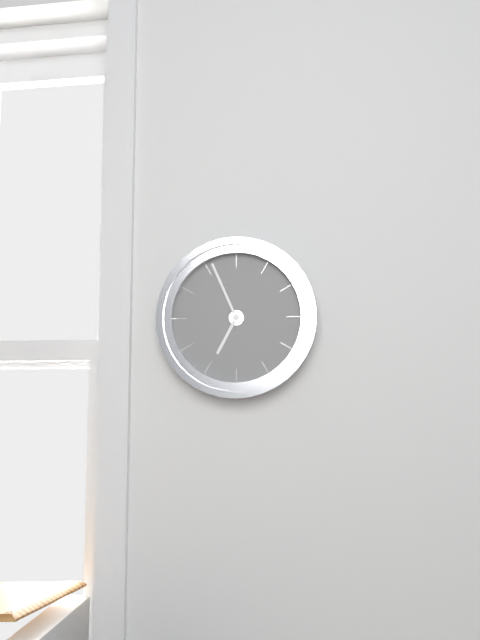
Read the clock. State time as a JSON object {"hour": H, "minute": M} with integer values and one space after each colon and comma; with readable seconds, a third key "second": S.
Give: {"hour": 6, "minute": 56}
